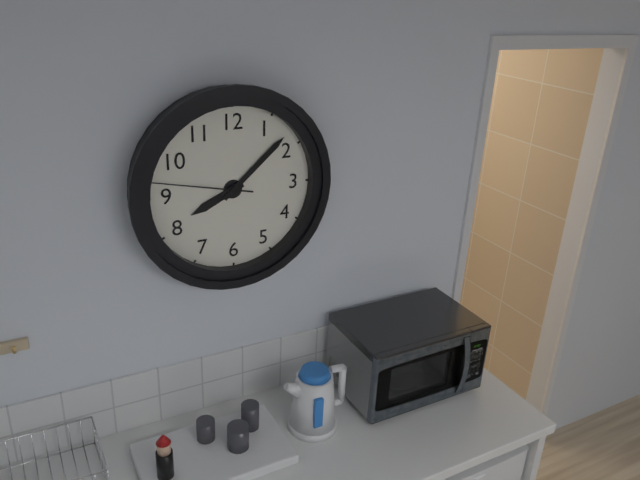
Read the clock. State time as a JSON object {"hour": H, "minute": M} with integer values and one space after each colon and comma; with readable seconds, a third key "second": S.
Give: {"hour": 8, "minute": 8, "second": 47}
